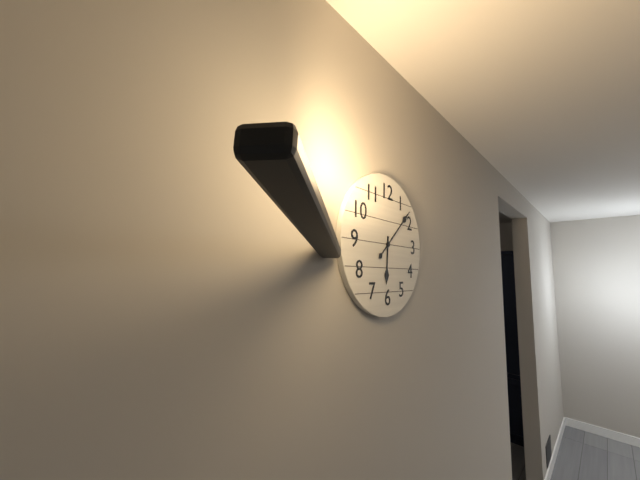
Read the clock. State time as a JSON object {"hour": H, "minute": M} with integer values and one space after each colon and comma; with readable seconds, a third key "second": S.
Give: {"hour": 6, "minute": 8}
